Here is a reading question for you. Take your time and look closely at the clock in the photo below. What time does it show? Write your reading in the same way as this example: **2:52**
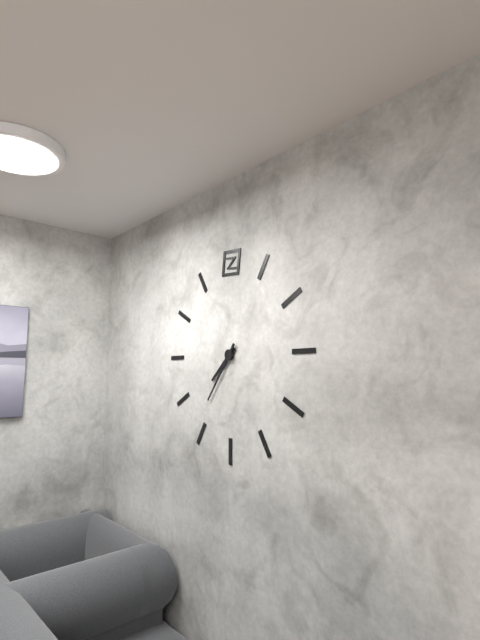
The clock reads **7:36**
